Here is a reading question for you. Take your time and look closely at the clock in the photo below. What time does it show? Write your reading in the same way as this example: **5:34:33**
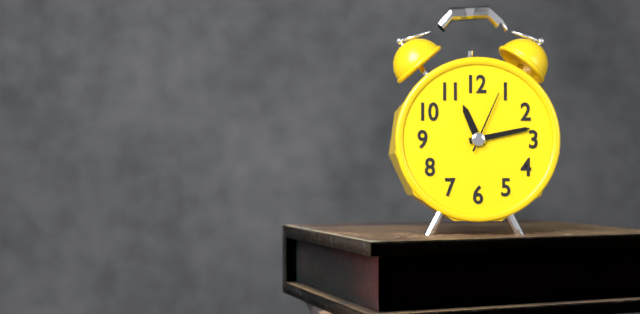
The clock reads **11:13:04**
